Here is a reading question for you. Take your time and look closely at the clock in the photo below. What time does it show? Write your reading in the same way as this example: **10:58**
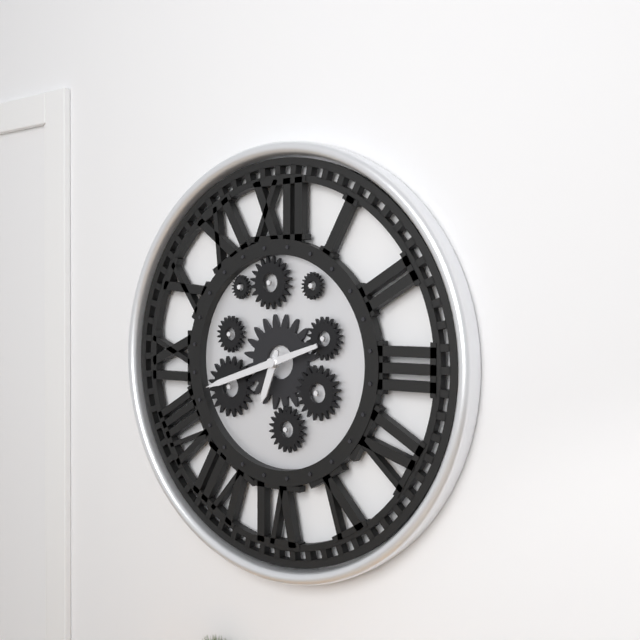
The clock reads **6:42**
